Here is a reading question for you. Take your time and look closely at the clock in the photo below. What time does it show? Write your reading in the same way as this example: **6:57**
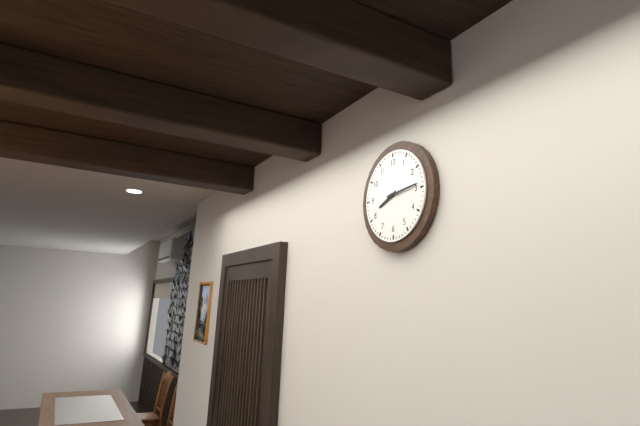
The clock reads **8:14**
